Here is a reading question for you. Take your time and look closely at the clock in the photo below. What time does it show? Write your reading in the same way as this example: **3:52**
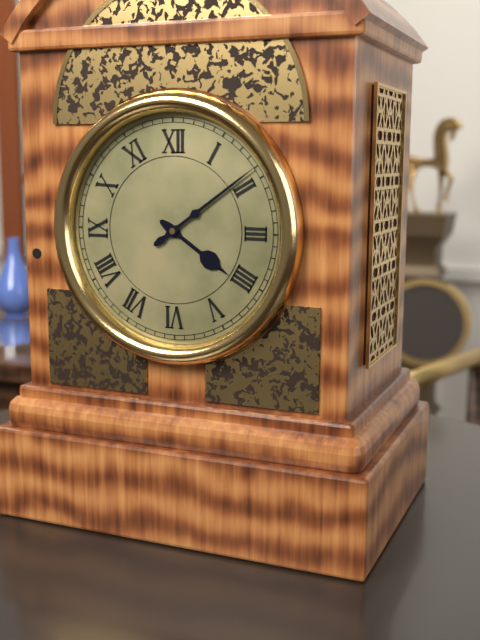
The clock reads **4:09**
